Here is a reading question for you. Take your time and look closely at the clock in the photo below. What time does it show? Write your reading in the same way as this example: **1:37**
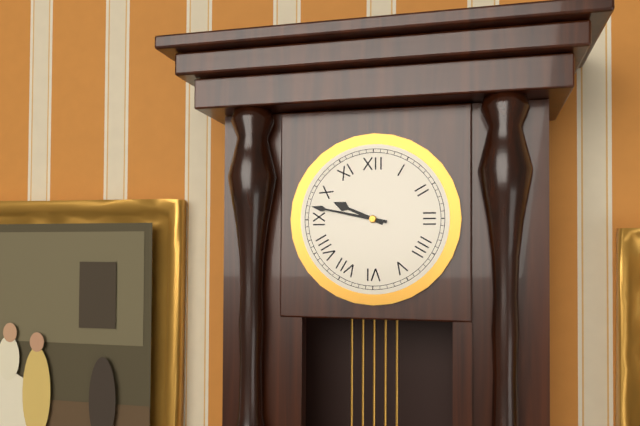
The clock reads **9:47**
